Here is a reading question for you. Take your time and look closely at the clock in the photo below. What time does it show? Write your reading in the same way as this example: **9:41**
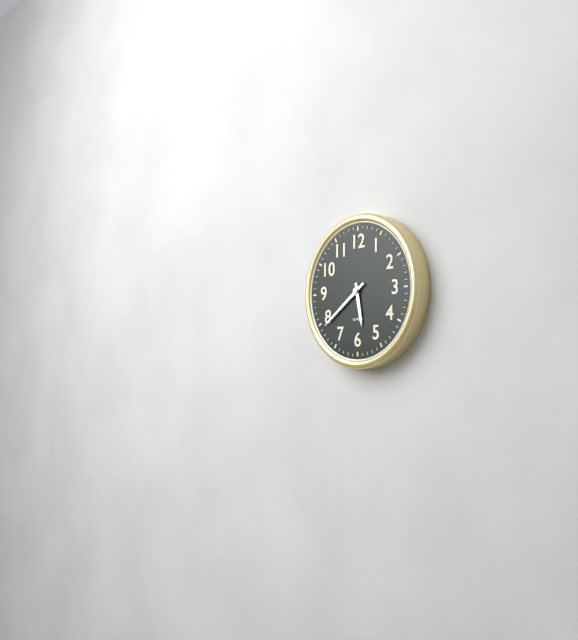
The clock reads **5:39**
